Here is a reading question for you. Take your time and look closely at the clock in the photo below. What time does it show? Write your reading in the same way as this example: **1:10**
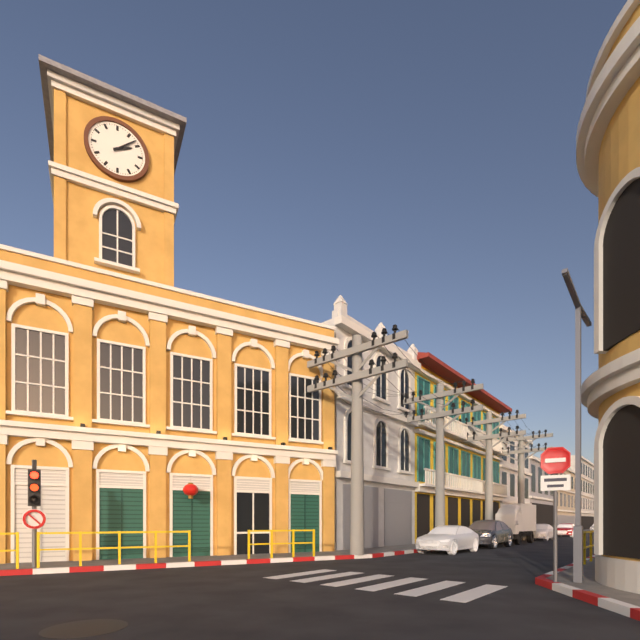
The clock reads **2:08**
